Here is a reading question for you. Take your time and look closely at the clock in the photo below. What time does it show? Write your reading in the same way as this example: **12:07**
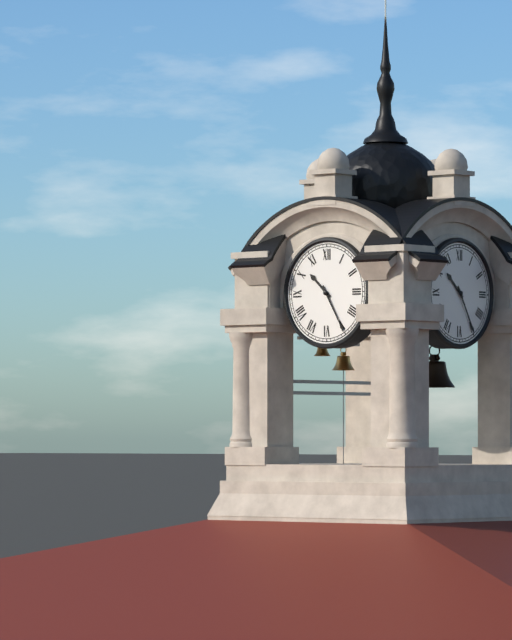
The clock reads **10:25**
